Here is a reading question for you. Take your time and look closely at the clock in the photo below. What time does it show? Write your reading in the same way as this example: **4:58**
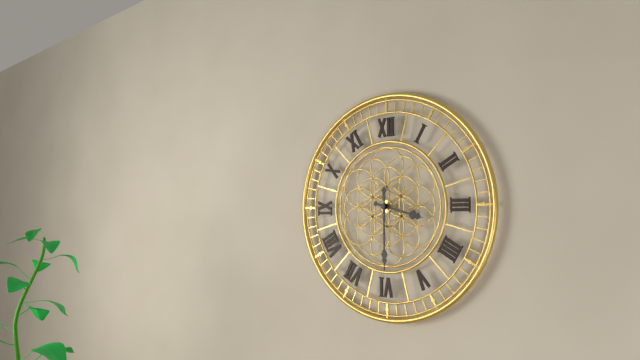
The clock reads **3:30**
